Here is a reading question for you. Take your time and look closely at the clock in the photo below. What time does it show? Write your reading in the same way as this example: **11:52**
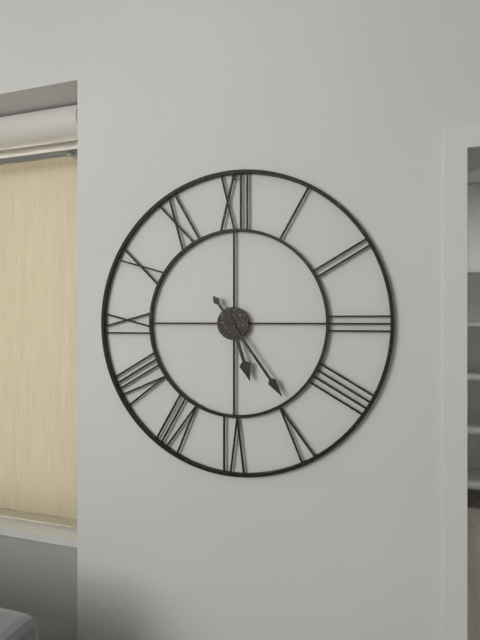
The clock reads **5:24**
